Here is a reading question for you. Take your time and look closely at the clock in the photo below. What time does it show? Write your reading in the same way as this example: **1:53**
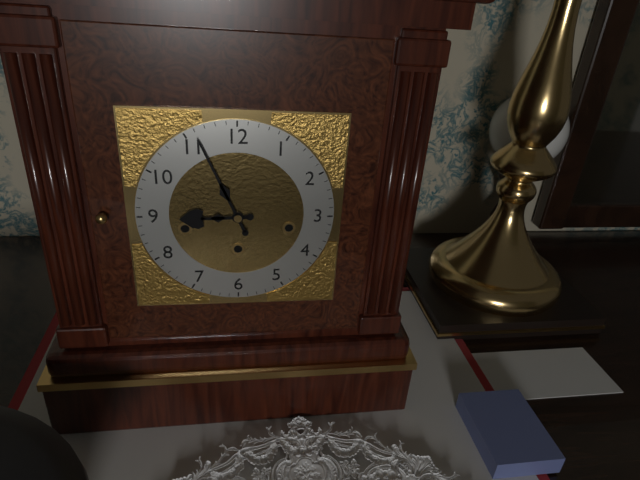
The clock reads **8:56**
